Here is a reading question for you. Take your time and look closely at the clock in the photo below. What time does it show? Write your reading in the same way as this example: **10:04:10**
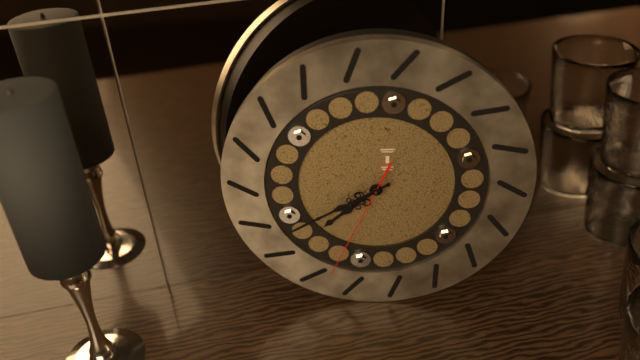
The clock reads **7:40:34**
